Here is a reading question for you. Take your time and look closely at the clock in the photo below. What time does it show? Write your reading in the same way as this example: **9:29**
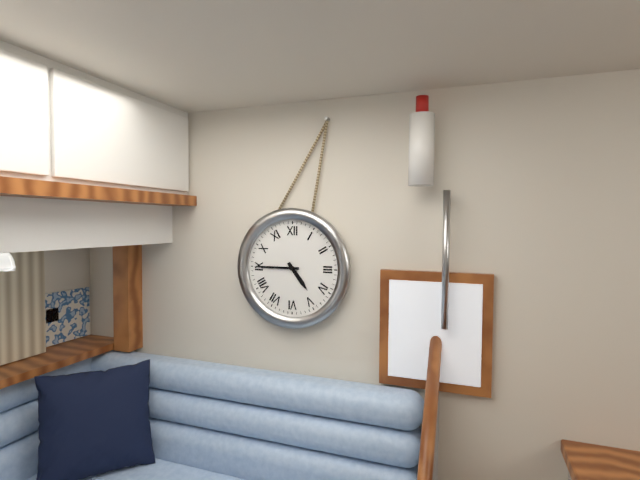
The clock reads **4:45**
